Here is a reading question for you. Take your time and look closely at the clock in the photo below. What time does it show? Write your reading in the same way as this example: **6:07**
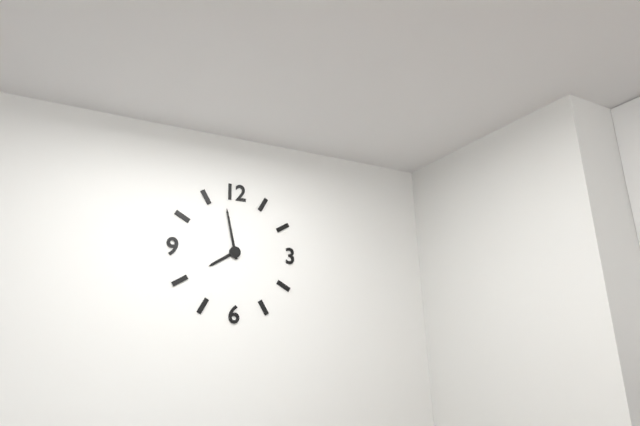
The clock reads **7:58**
